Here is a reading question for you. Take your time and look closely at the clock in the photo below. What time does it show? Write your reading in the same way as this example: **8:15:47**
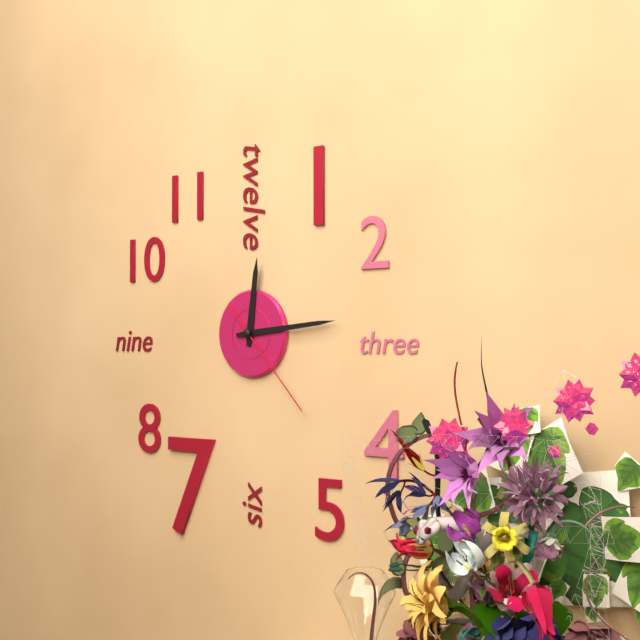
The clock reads **12:14:23**
